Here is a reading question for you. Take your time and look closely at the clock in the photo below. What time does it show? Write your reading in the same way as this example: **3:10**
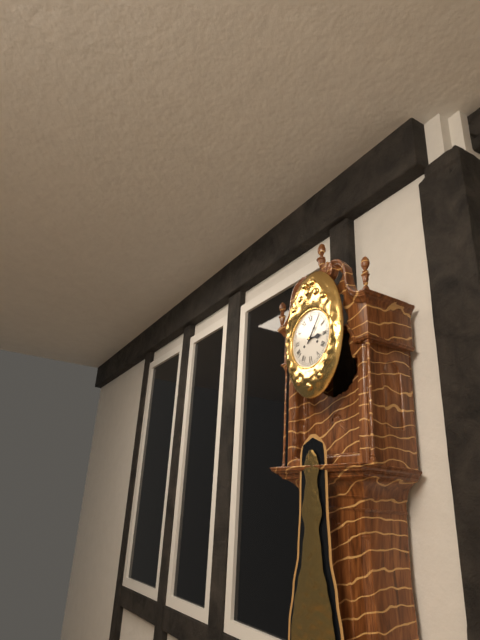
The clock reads **3:06**
